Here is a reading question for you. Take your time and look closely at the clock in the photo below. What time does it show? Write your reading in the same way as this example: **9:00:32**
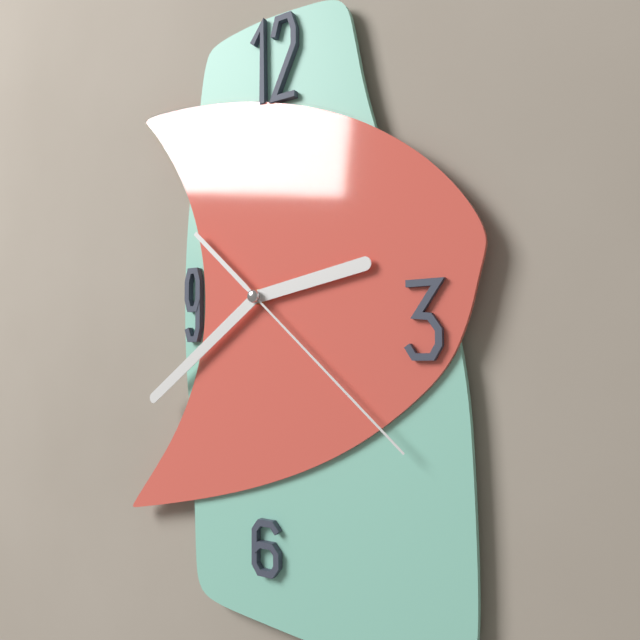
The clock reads **2:39:22**
